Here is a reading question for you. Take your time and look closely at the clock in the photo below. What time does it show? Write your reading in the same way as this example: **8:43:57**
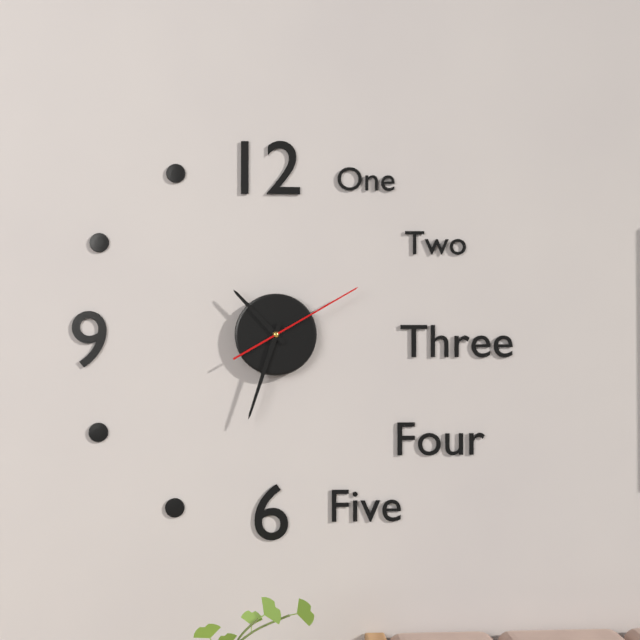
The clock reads **10:33:10**
